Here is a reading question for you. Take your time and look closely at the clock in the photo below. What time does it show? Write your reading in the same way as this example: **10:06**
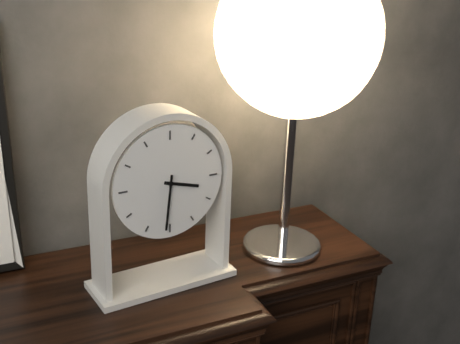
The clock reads **3:31**
